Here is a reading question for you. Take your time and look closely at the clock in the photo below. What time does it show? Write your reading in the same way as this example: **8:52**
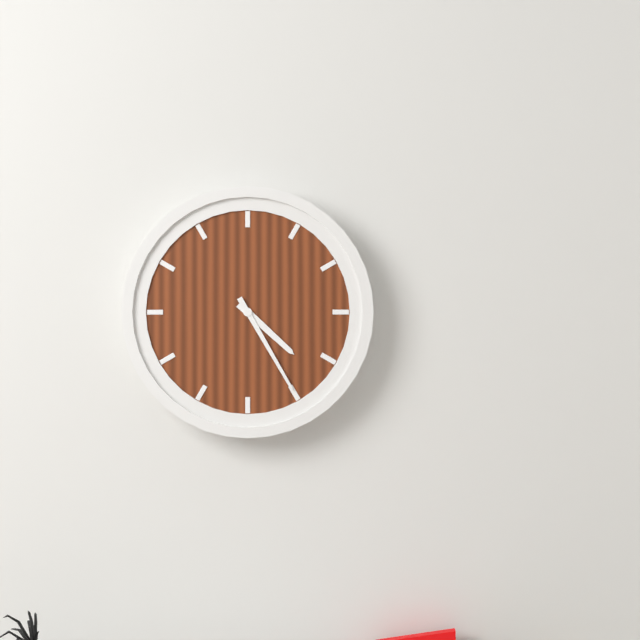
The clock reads **4:25**
